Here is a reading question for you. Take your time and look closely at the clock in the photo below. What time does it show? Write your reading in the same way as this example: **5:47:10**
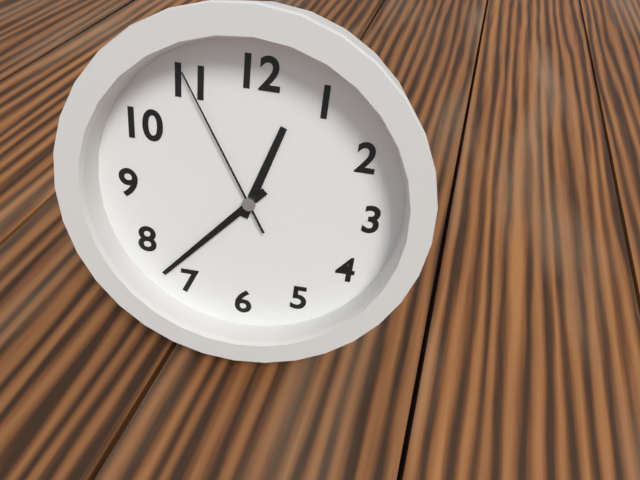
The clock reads **12:37:55**
